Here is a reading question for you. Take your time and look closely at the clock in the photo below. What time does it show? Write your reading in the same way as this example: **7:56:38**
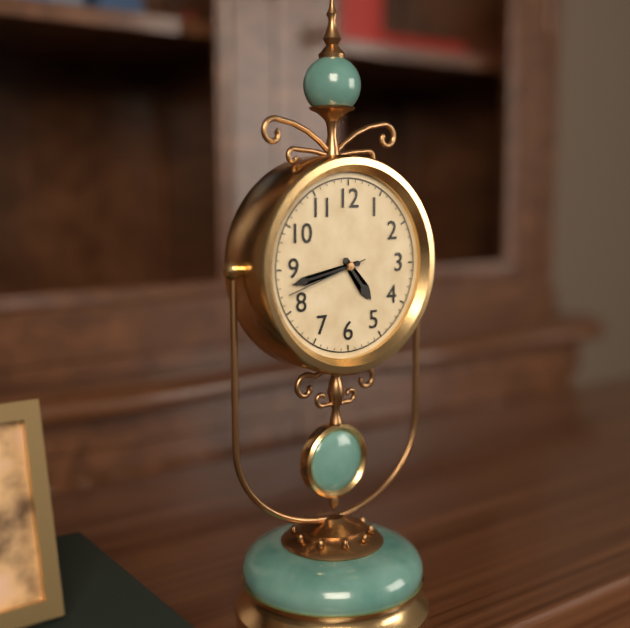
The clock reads **4:43:42**
